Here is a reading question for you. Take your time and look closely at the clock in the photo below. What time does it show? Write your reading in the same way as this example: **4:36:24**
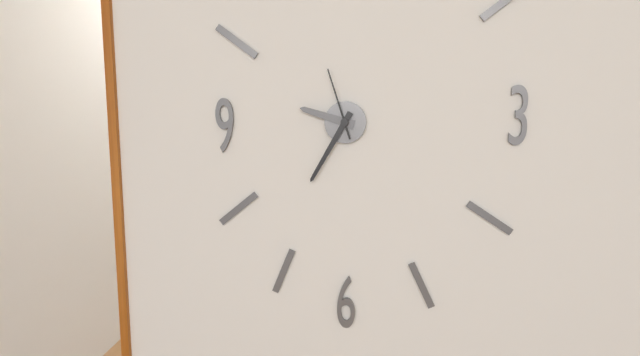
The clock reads **9:35:57**
